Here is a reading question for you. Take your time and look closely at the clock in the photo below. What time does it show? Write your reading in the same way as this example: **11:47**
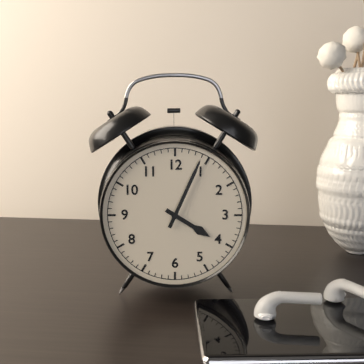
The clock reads **4:04**
